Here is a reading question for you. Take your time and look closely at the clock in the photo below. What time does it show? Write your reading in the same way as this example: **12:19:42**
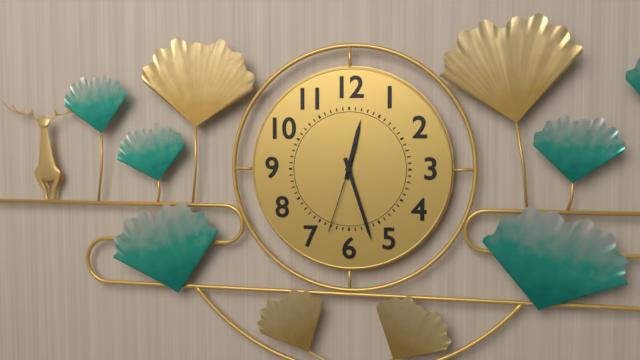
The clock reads **12:27:33**
